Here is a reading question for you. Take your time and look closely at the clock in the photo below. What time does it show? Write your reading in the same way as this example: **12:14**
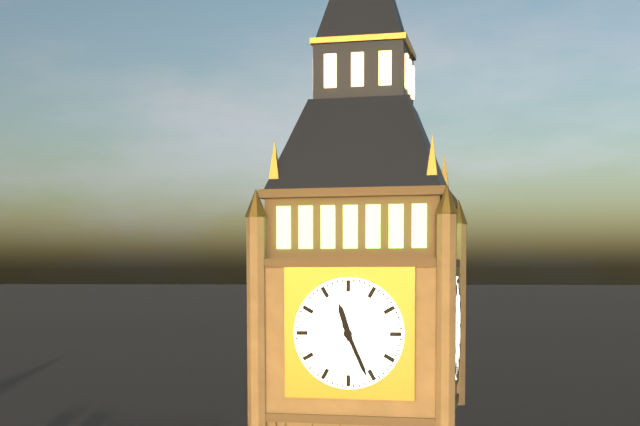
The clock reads **11:26**
